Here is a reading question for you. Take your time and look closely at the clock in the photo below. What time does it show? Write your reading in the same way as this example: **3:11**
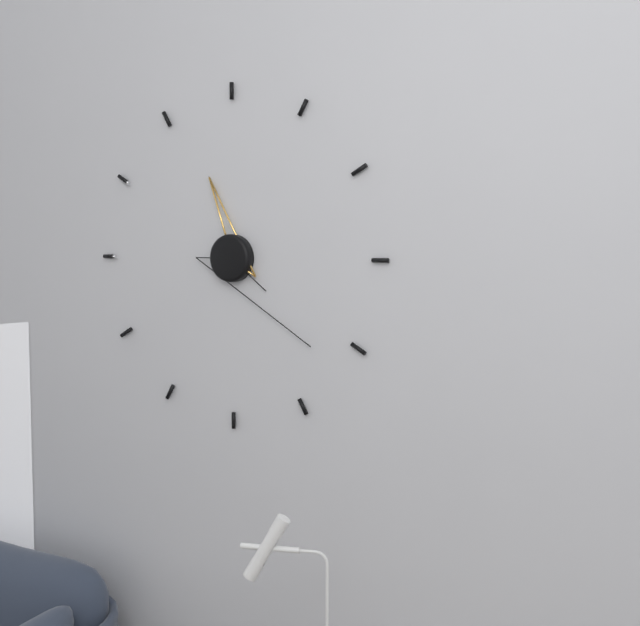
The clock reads **11:22**
